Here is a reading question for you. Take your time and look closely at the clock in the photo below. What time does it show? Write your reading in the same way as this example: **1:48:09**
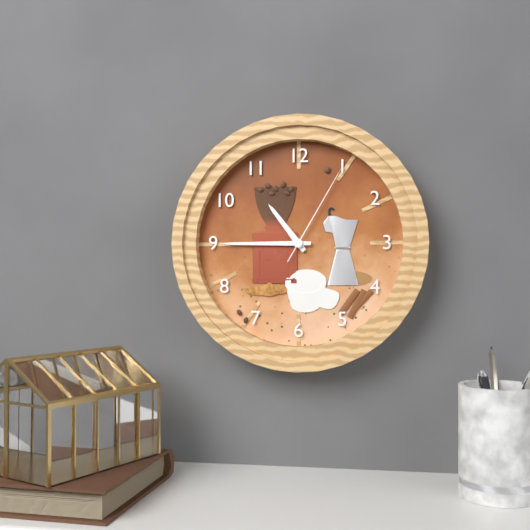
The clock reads **10:45:05**
